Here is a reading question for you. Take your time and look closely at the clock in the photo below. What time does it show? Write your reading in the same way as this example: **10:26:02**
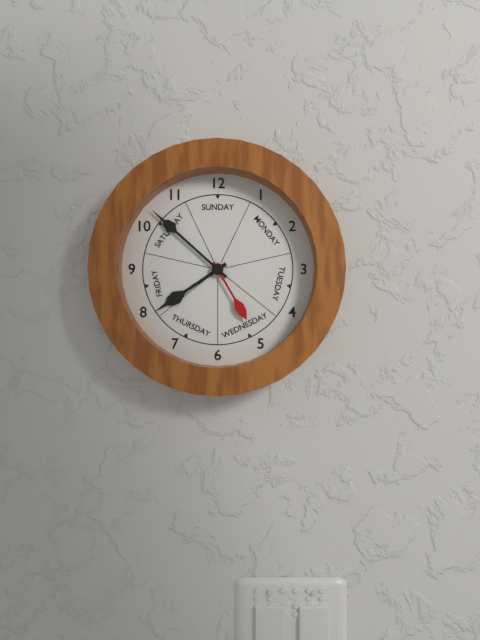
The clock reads **7:52:25**
